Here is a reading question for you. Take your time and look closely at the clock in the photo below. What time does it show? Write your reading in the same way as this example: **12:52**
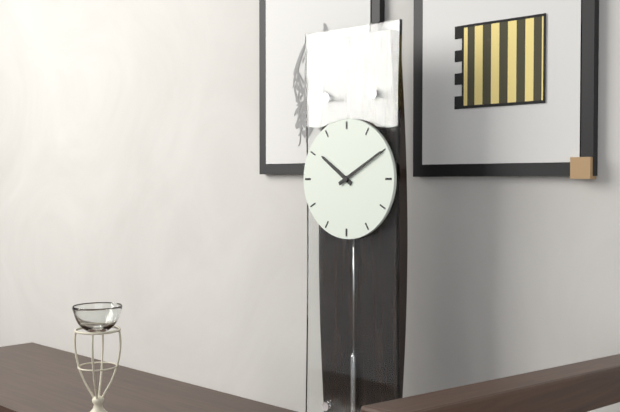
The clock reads **10:10**
